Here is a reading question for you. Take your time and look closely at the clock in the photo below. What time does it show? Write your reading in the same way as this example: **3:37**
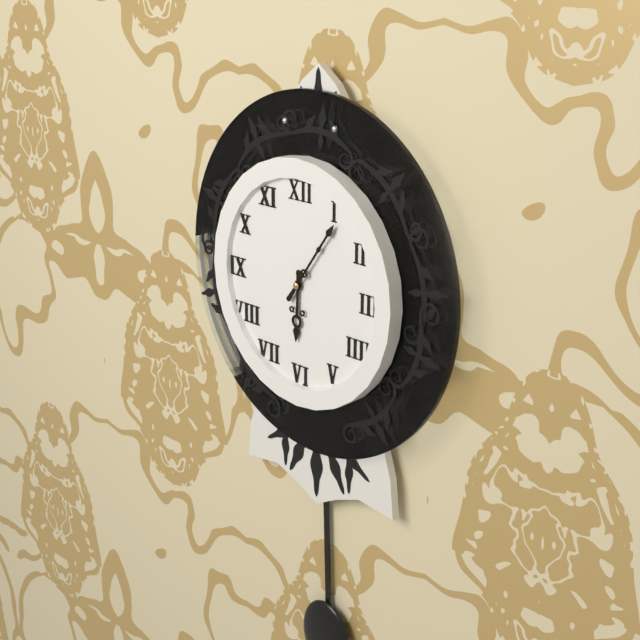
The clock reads **6:06**
